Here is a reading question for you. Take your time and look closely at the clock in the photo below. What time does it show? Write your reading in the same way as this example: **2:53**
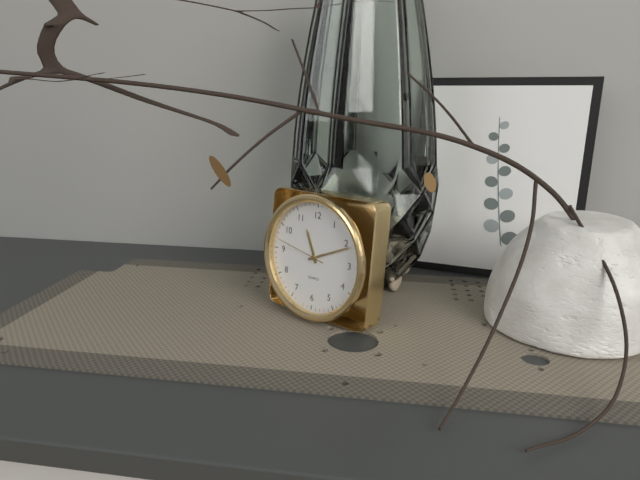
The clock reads **11:11**
